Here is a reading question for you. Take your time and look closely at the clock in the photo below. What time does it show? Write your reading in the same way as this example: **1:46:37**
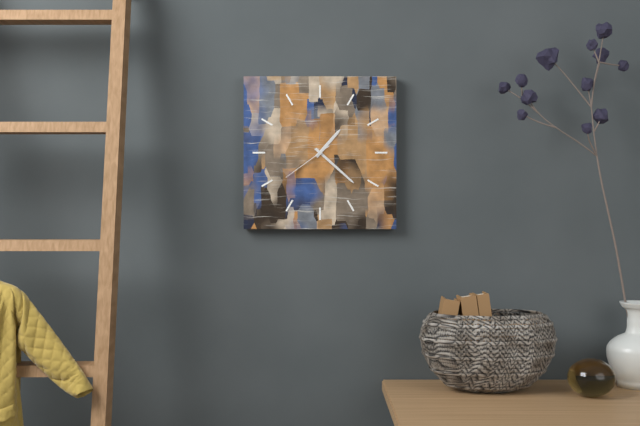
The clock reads **1:22:39**
